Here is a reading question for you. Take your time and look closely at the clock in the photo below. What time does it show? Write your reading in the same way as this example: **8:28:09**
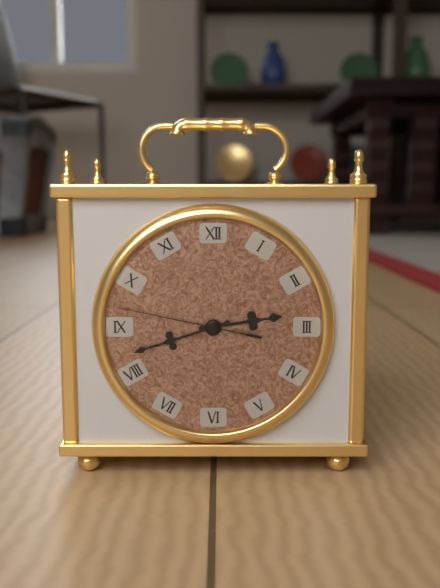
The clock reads **2:42:47**
